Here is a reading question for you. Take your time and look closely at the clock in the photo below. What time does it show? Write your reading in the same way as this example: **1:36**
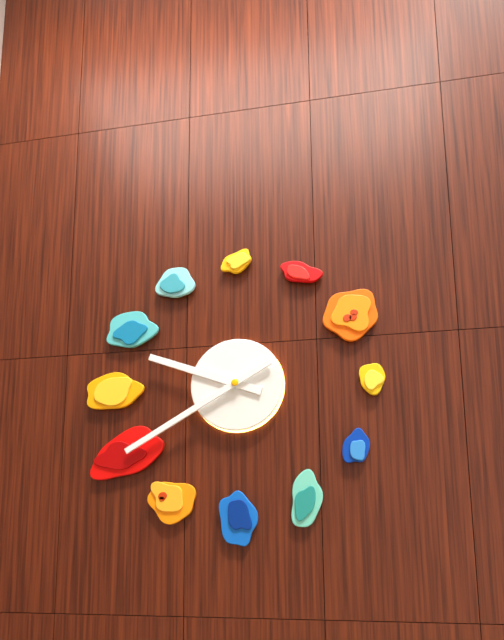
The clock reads **9:40**
